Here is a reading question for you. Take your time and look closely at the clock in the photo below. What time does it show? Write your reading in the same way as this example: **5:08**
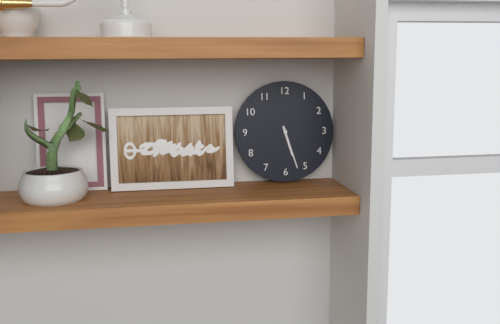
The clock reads **5:27**
